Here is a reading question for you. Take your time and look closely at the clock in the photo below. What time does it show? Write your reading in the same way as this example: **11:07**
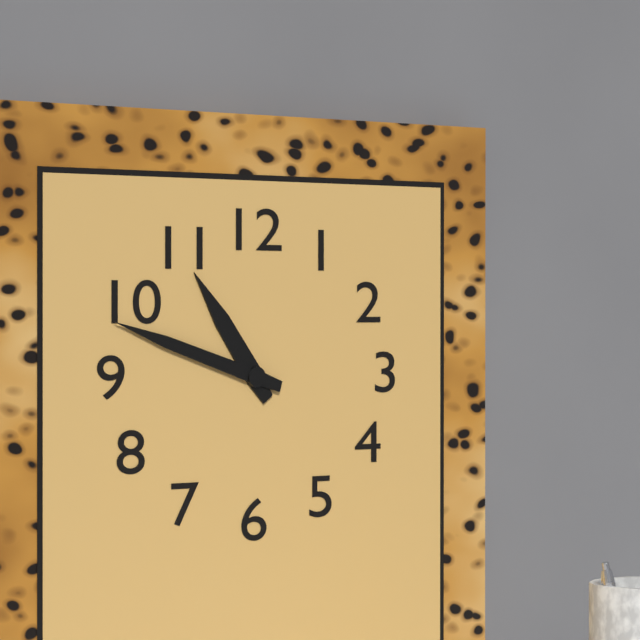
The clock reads **10:48**
